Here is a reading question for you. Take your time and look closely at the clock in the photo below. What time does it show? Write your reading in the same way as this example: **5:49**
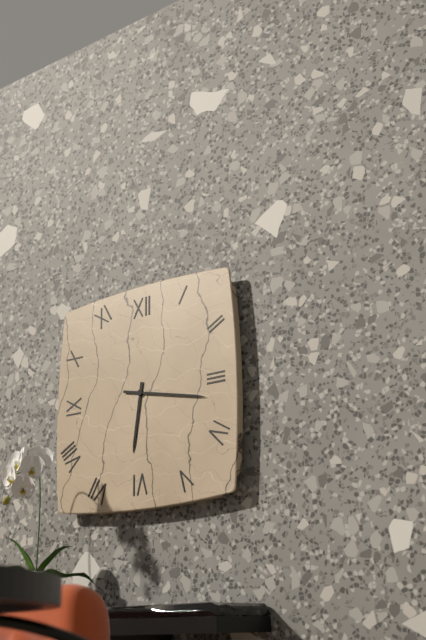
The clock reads **6:17**
